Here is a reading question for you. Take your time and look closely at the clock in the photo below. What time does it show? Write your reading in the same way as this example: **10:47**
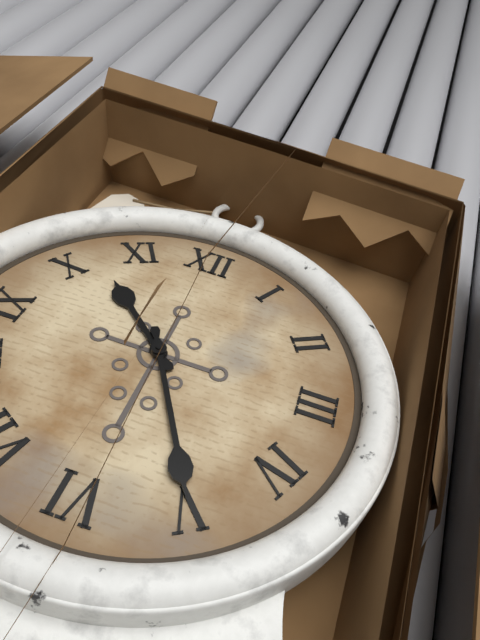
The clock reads **10:25**
